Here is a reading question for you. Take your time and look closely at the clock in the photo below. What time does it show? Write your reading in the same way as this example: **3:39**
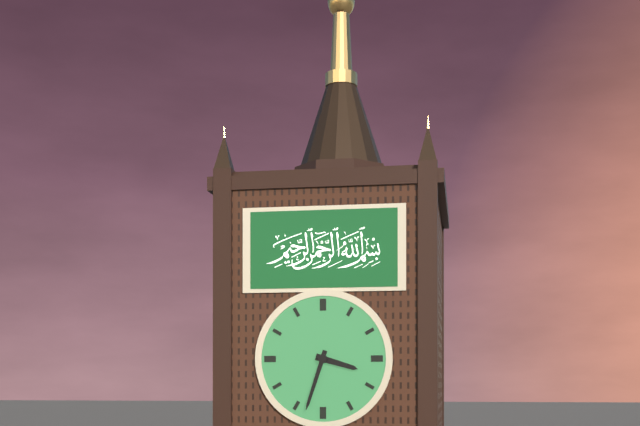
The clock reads **3:33**
